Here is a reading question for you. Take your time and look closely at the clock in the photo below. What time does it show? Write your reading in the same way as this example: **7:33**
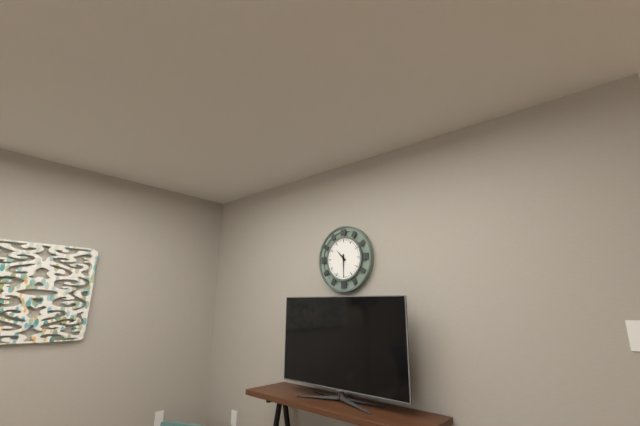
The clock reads **10:30**
